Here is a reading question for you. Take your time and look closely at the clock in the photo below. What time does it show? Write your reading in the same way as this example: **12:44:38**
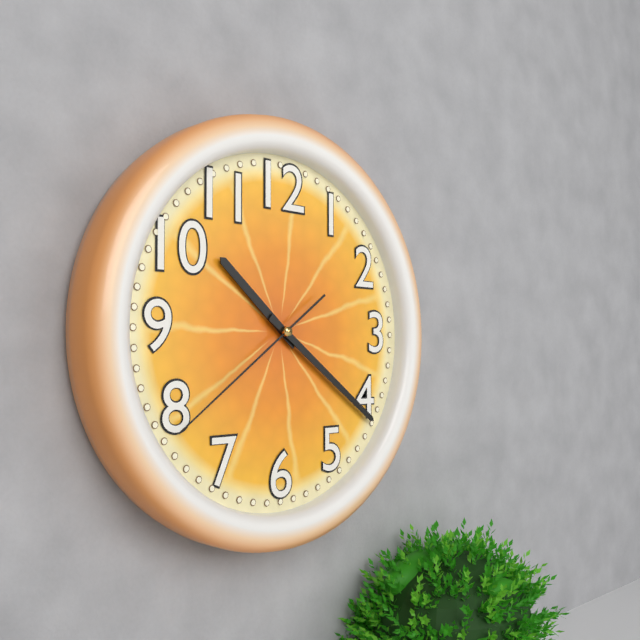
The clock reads **10:21:39**
